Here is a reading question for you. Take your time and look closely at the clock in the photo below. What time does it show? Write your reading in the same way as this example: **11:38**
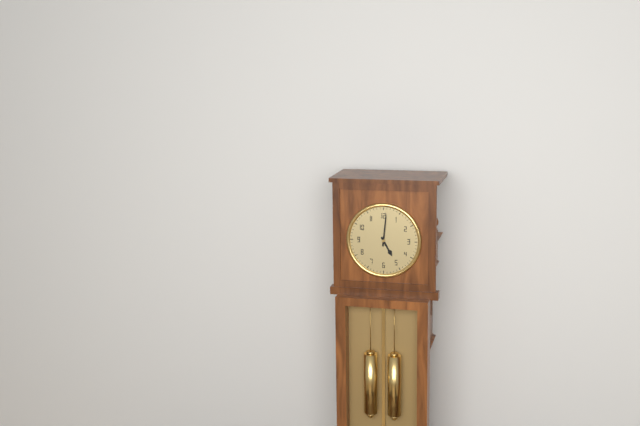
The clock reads **5:01**
